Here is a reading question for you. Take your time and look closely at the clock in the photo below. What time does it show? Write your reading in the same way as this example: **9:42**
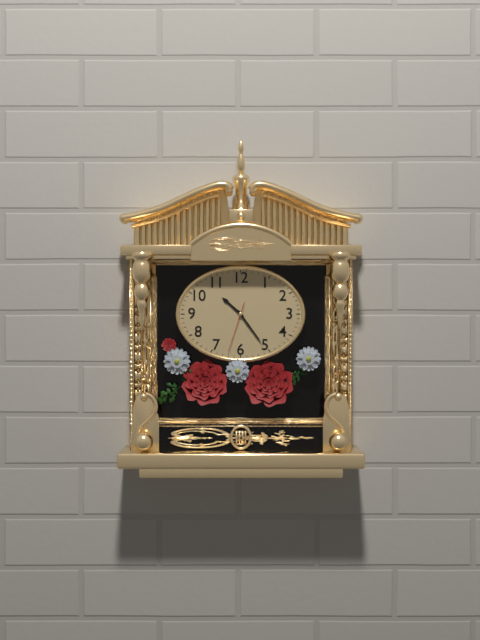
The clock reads **10:24**
